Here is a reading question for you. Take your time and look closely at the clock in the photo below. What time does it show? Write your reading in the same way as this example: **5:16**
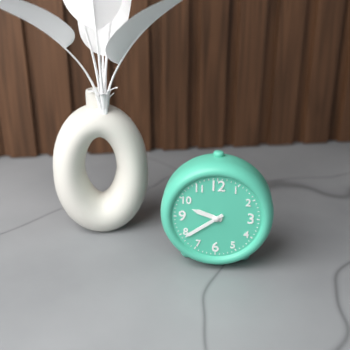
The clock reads **9:39**
